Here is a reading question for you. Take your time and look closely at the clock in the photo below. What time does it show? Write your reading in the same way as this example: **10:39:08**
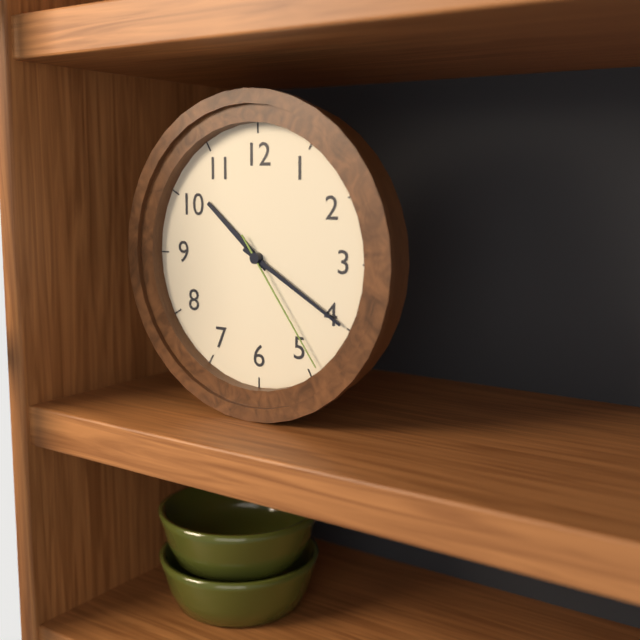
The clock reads **10:20:24**
